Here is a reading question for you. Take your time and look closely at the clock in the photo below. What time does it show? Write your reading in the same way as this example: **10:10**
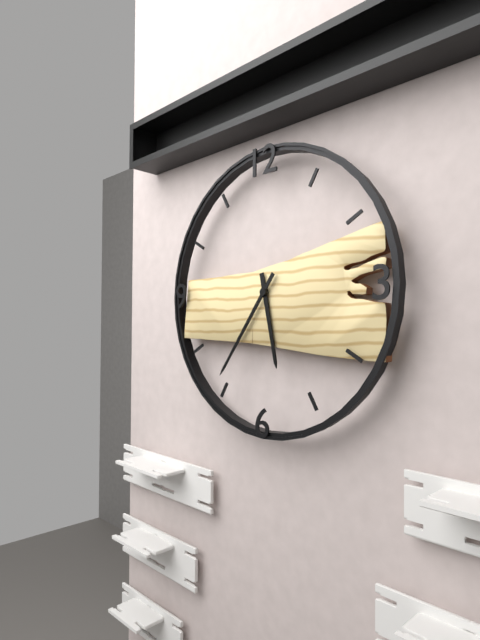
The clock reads **5:36**
